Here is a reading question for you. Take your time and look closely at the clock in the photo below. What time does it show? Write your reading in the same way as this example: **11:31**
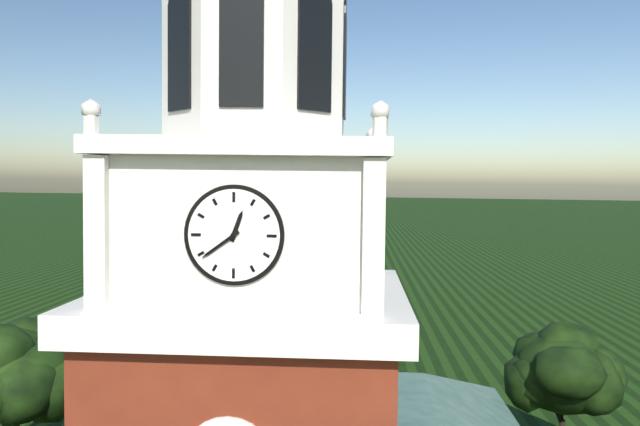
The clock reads **12:39**
